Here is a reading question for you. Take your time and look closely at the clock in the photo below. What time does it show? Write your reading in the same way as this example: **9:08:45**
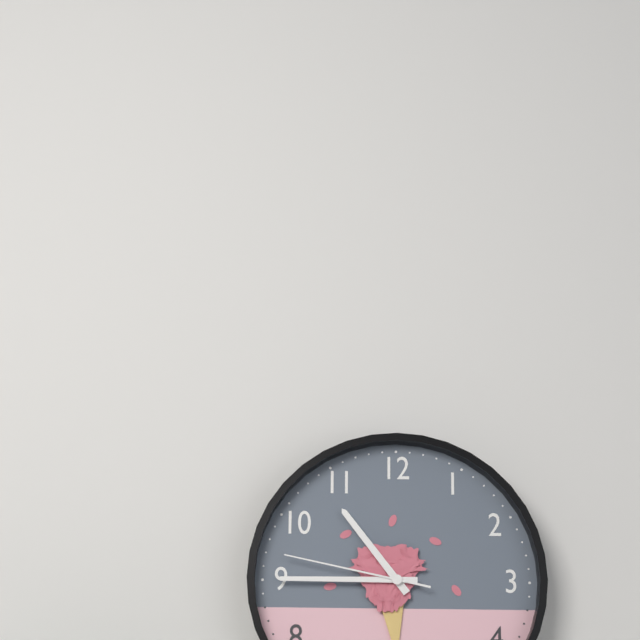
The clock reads **10:45:47**
